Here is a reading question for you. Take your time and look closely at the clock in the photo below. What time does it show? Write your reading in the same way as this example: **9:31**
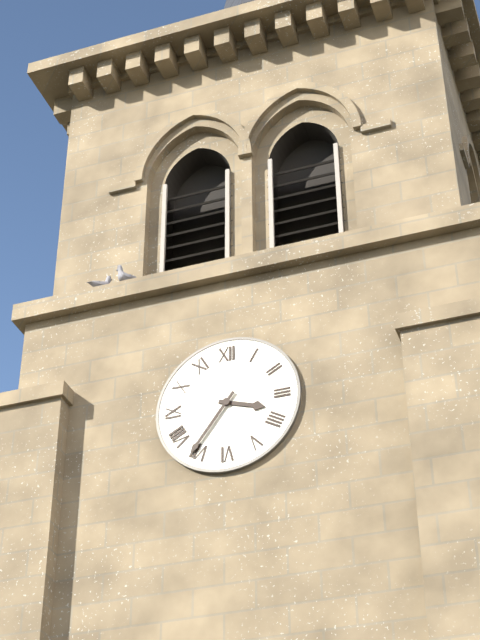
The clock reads **3:36**
